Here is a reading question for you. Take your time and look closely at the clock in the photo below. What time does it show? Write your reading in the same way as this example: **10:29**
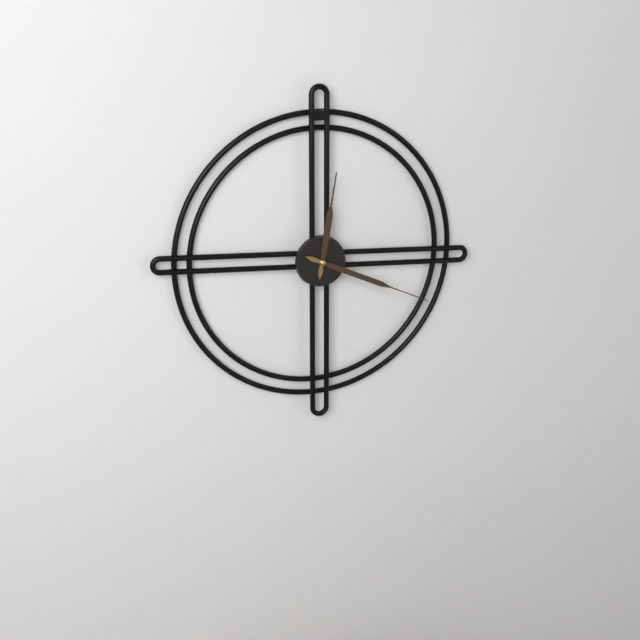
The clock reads **12:19**
